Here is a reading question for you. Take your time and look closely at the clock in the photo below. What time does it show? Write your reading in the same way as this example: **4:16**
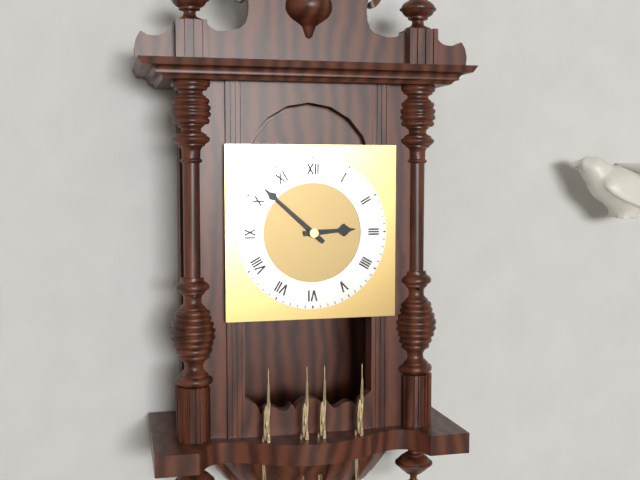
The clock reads **2:52**
